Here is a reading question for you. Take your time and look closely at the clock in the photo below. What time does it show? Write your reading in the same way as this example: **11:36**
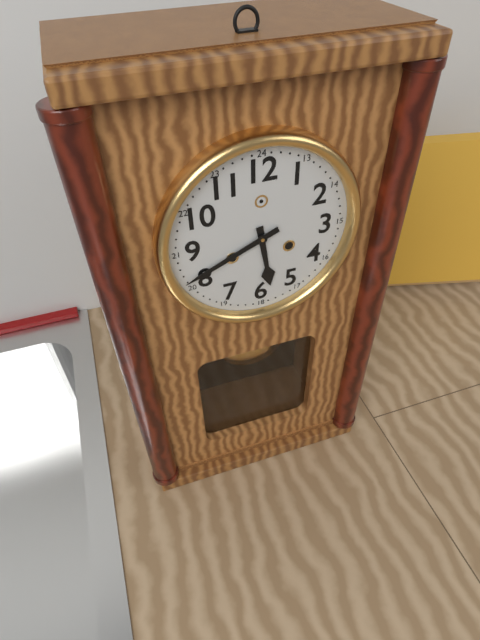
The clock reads **5:41**
